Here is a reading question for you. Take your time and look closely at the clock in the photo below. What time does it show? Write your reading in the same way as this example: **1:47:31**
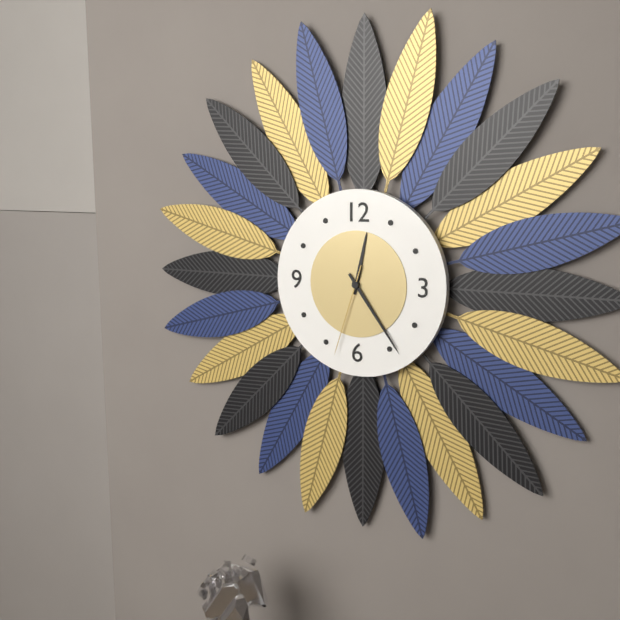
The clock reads **12:24:33**
